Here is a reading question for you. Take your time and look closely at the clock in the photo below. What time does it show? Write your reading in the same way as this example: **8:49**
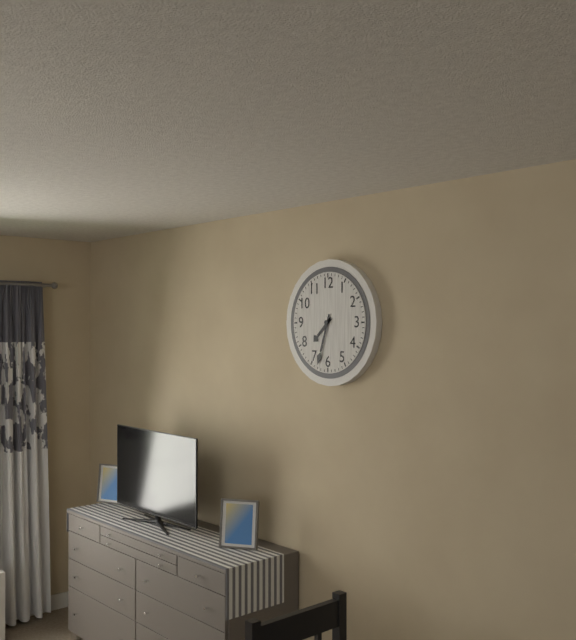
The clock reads **7:33**
